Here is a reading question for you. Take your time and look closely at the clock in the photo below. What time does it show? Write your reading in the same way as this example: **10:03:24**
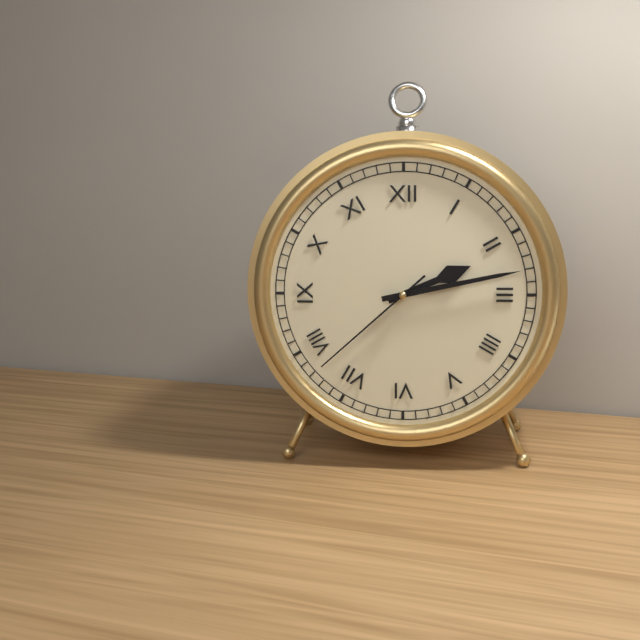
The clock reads **2:13:38**
